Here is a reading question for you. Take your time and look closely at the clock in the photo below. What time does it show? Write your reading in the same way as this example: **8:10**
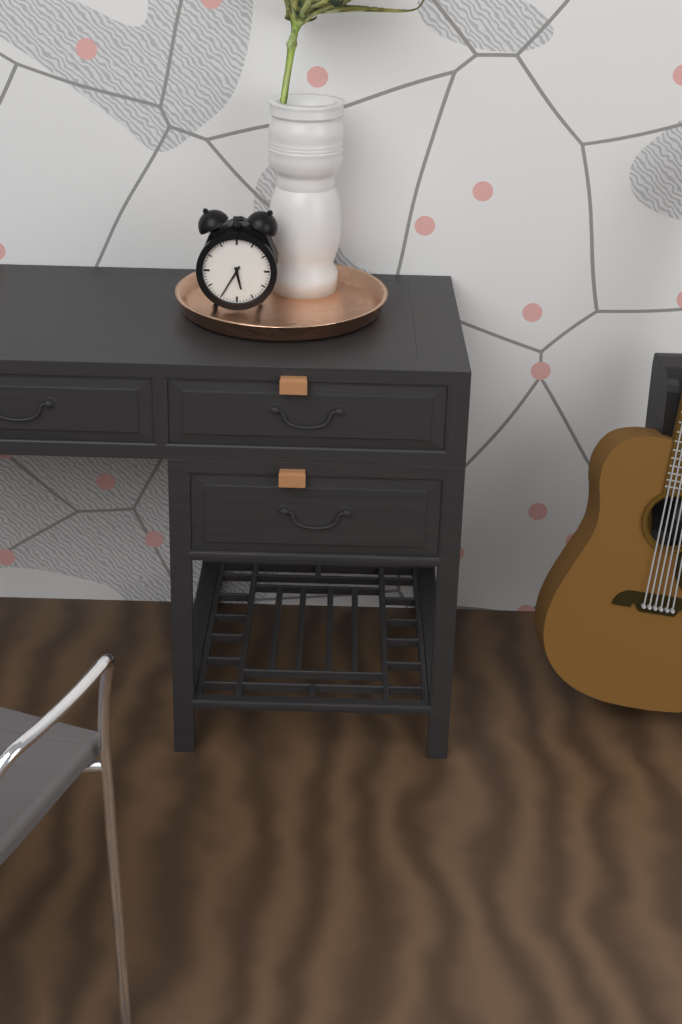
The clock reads **5:35**
